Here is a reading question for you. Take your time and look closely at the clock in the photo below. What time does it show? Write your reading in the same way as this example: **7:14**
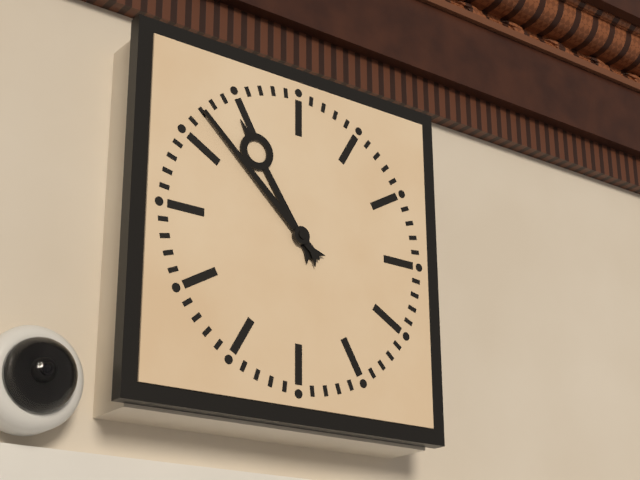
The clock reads **10:52**
